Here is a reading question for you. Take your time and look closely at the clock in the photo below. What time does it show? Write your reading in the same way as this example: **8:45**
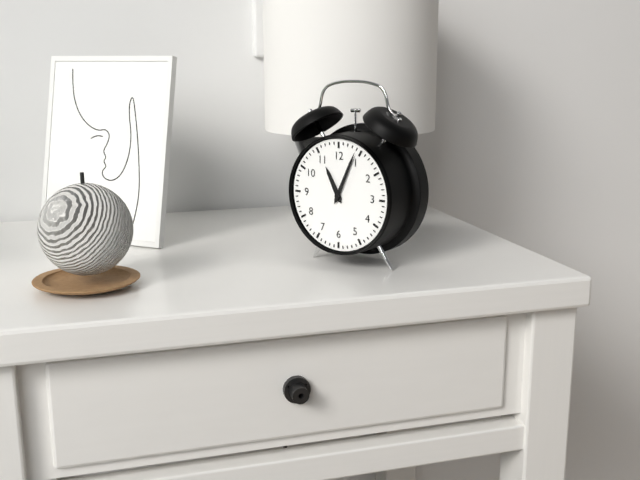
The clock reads **11:04**
